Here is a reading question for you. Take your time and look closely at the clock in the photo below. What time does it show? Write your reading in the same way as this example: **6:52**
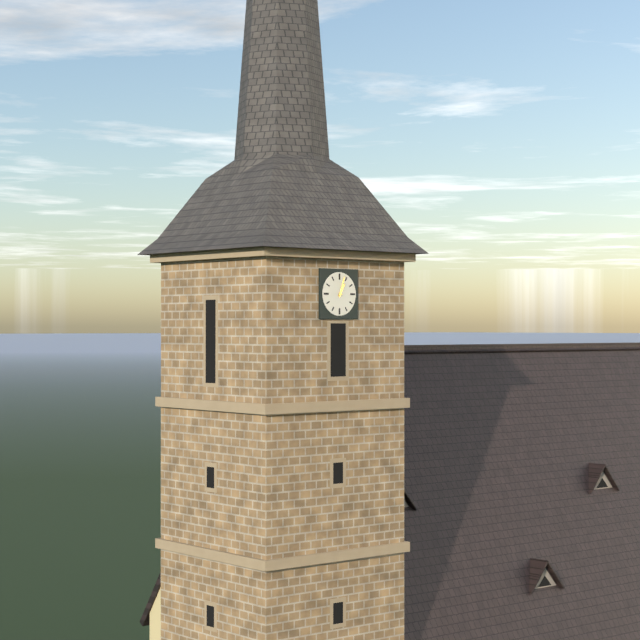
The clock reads **1:03**
